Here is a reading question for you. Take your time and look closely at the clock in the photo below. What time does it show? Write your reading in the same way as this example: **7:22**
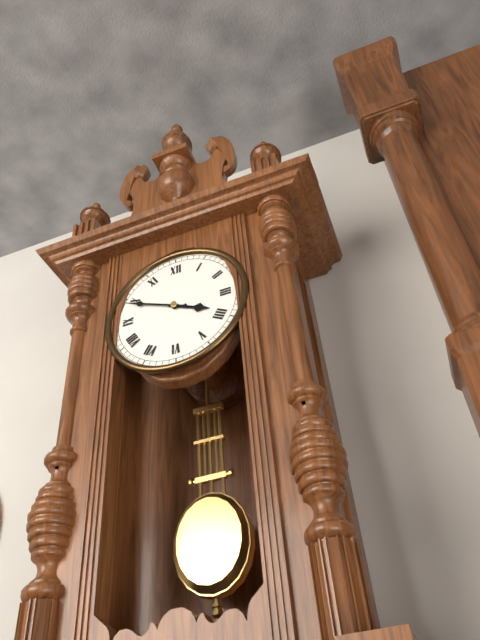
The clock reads **3:49**
